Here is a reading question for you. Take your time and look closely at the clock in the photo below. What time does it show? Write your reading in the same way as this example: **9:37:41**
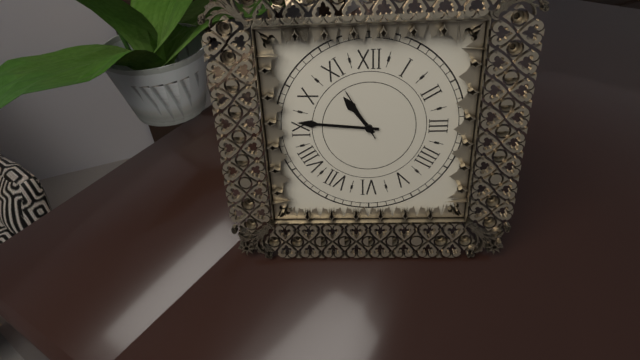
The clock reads **10:46:55**
